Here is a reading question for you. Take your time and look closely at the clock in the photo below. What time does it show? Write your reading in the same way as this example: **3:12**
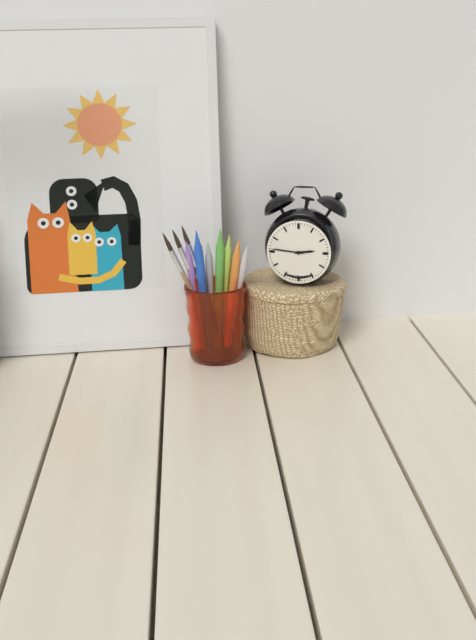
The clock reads **2:46**
